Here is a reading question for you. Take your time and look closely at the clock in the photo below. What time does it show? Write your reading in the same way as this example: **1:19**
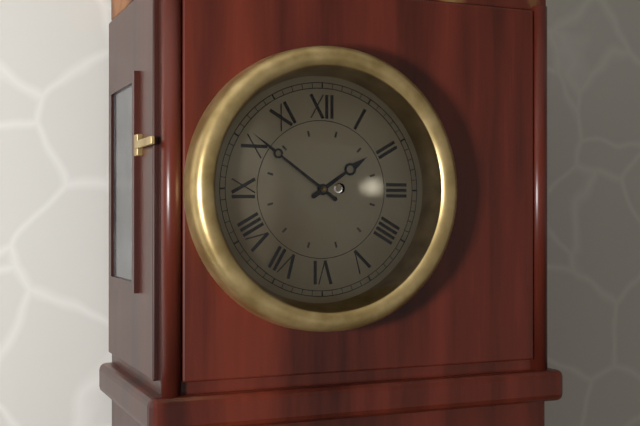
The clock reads **1:51**
